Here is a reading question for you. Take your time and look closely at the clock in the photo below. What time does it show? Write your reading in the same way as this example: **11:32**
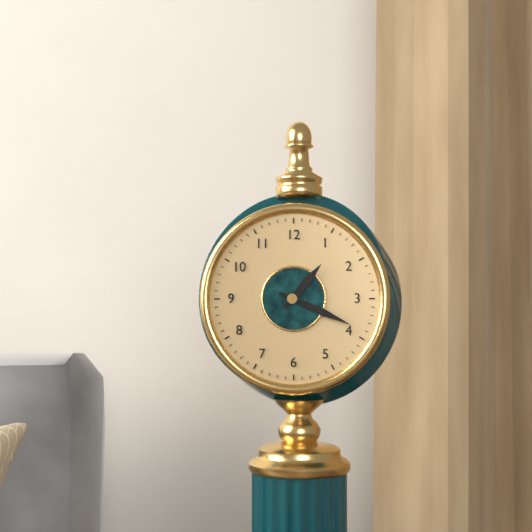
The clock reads **1:19**
